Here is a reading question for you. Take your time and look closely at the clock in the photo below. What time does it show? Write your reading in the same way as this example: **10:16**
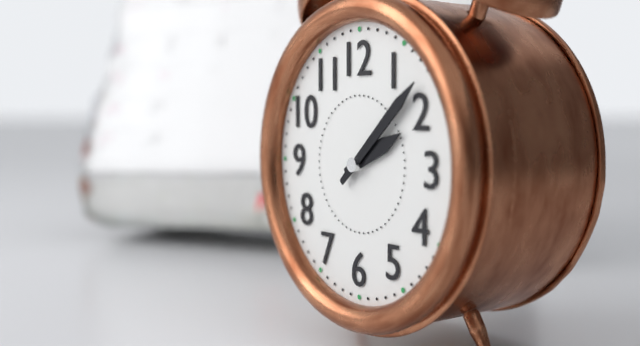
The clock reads **2:08**
